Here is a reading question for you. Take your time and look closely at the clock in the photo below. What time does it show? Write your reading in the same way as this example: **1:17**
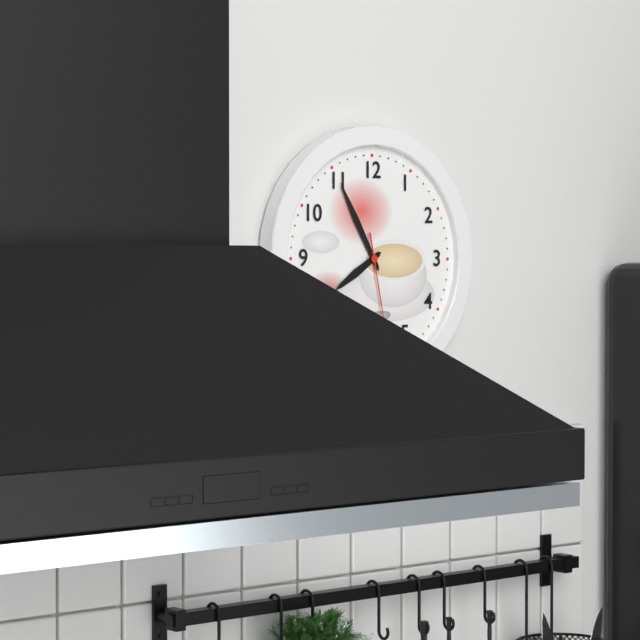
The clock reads **7:55**
